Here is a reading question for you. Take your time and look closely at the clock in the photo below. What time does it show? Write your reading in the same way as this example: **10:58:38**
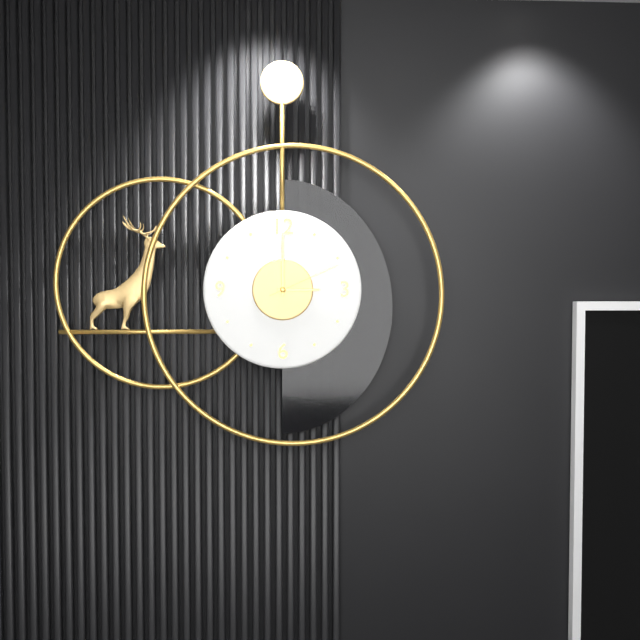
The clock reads **3:00:11**
